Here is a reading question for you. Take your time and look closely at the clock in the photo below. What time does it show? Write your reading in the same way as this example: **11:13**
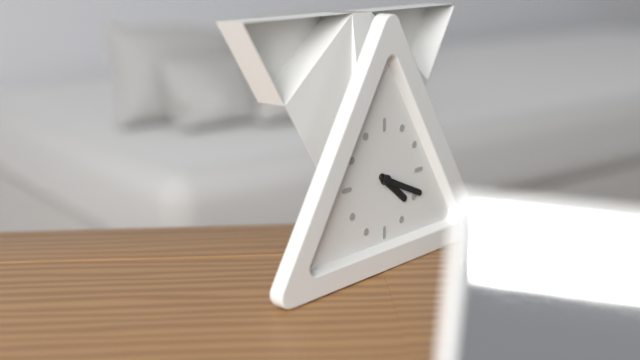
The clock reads **4:19**
